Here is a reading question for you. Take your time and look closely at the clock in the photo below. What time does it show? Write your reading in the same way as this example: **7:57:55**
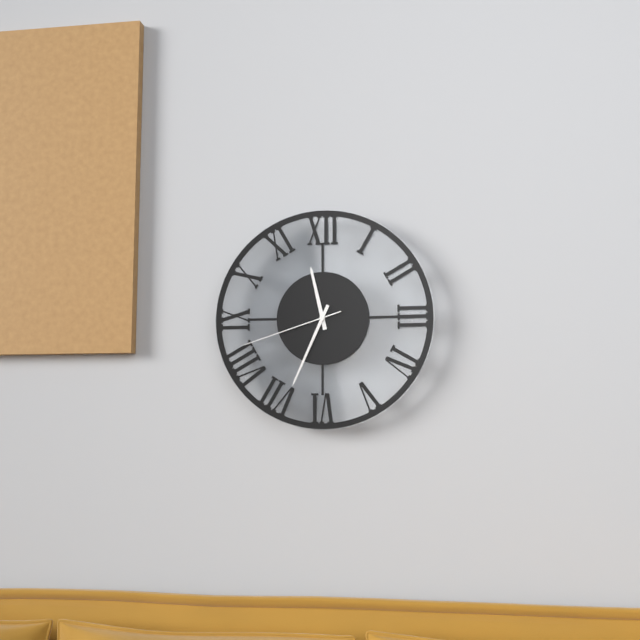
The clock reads **11:34:42**
